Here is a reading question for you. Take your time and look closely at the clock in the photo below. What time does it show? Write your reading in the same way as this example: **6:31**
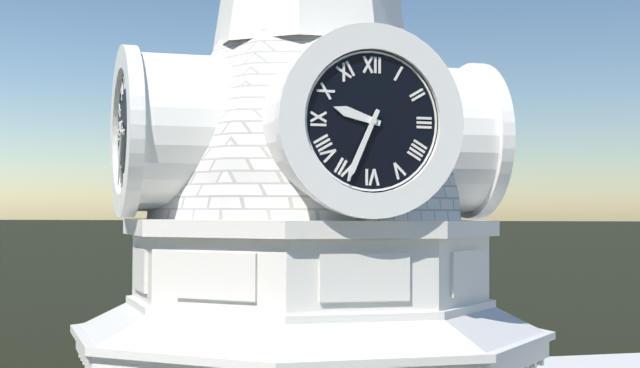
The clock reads **9:34**
